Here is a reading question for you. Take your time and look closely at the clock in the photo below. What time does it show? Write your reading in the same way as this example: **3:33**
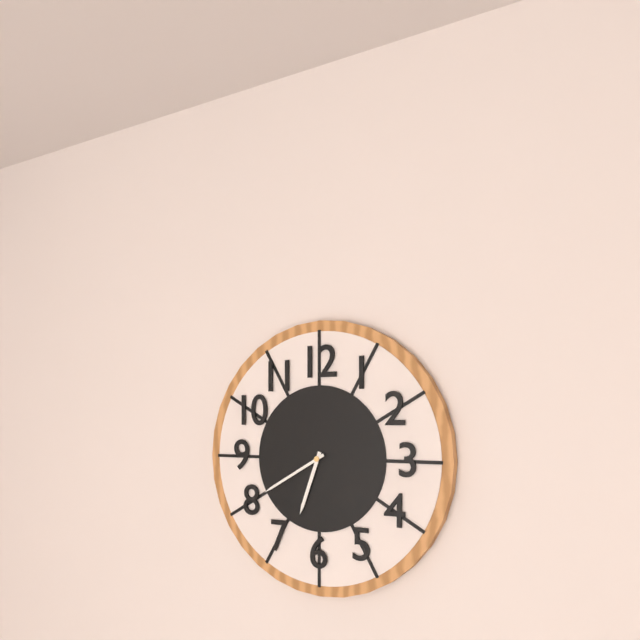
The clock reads **6:40**
